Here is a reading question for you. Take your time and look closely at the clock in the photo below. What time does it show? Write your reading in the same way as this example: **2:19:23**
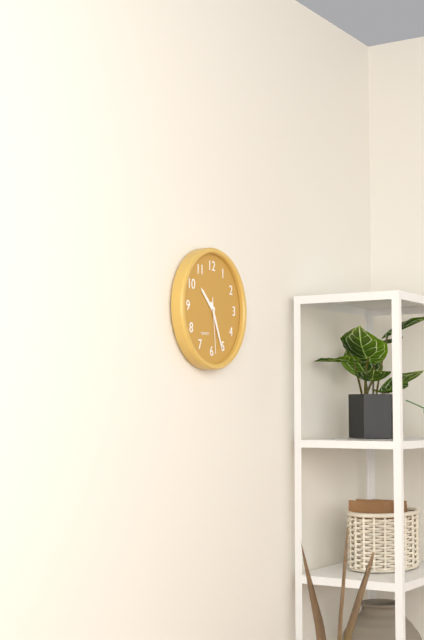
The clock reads **10:26:29**
